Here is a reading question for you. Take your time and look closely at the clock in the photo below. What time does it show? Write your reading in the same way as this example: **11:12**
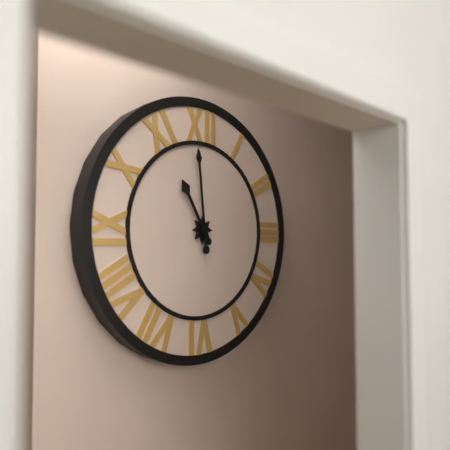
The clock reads **10:59**
